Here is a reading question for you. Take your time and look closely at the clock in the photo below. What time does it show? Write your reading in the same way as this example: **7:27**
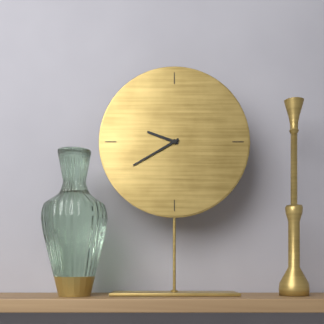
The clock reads **9:40**
